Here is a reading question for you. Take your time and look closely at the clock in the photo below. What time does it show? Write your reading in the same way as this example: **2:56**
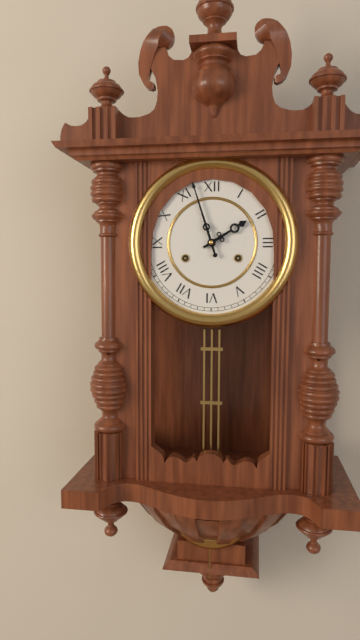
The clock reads **1:57**
